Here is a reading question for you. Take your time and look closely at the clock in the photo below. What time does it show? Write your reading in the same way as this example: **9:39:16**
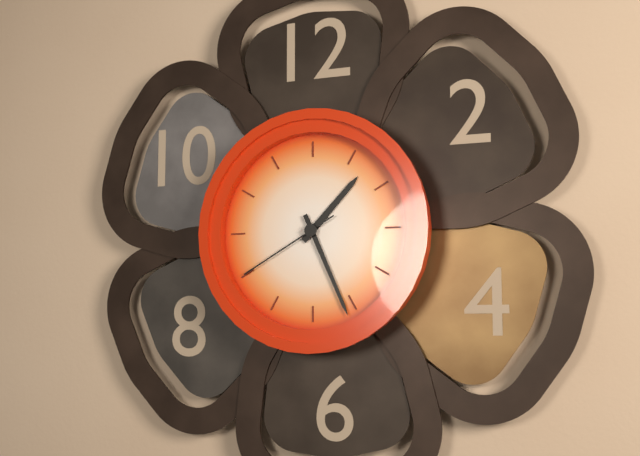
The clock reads **1:26:40**
